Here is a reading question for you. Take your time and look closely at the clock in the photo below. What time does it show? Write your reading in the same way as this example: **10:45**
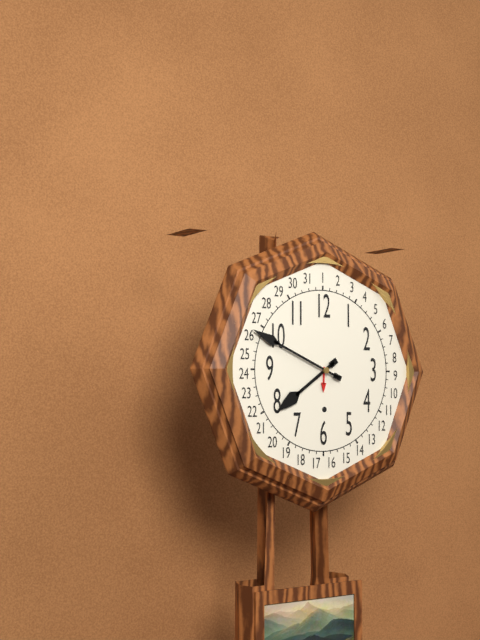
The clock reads **7:49**
